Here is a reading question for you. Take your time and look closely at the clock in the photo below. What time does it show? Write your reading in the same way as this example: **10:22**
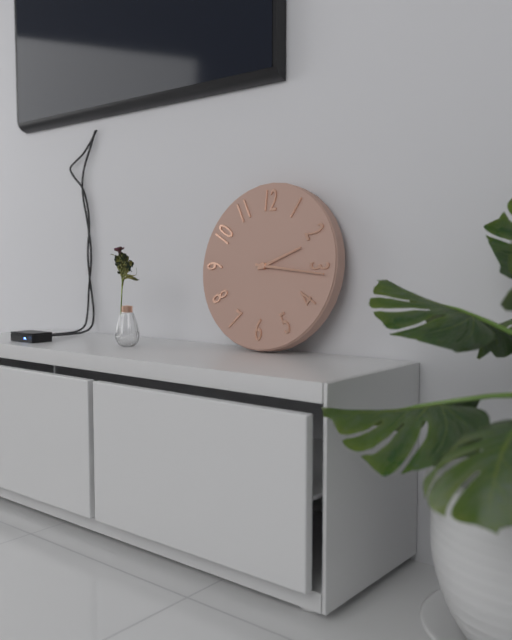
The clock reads **2:16**
